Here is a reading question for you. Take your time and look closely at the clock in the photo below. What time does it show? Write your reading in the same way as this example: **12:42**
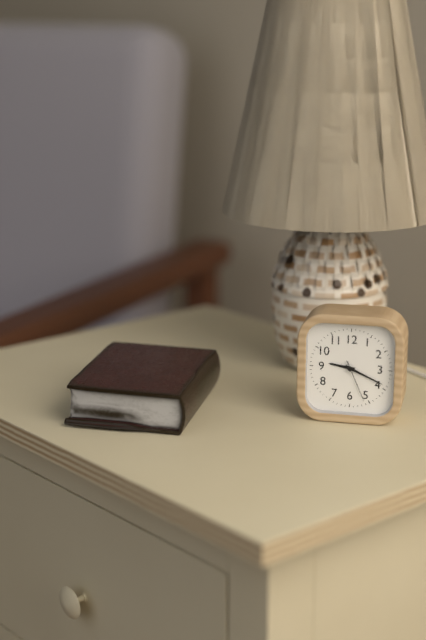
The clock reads **9:19**
